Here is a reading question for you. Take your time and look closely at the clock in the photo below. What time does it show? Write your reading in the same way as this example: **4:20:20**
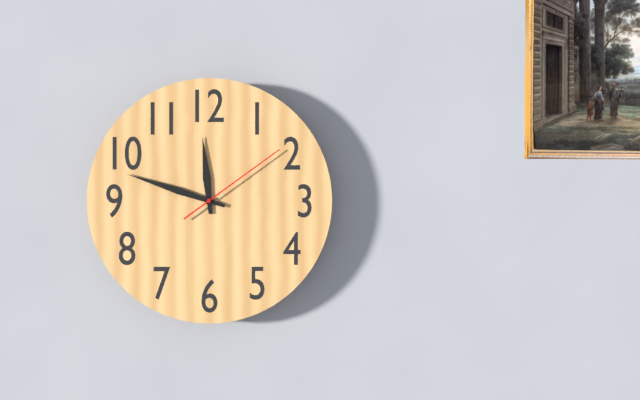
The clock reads **11:48:09**
